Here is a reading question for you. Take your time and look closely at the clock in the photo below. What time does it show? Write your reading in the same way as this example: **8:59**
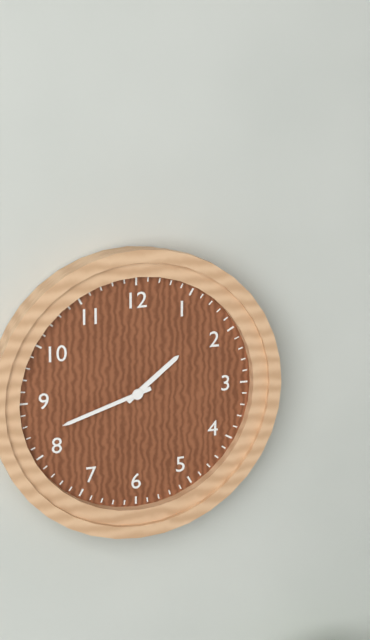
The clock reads **1:42**
